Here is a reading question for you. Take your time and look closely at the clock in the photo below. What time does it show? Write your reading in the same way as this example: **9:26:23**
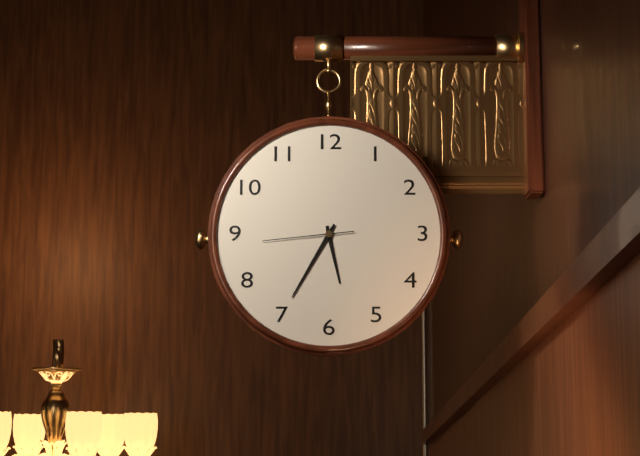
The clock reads **5:35:44**
